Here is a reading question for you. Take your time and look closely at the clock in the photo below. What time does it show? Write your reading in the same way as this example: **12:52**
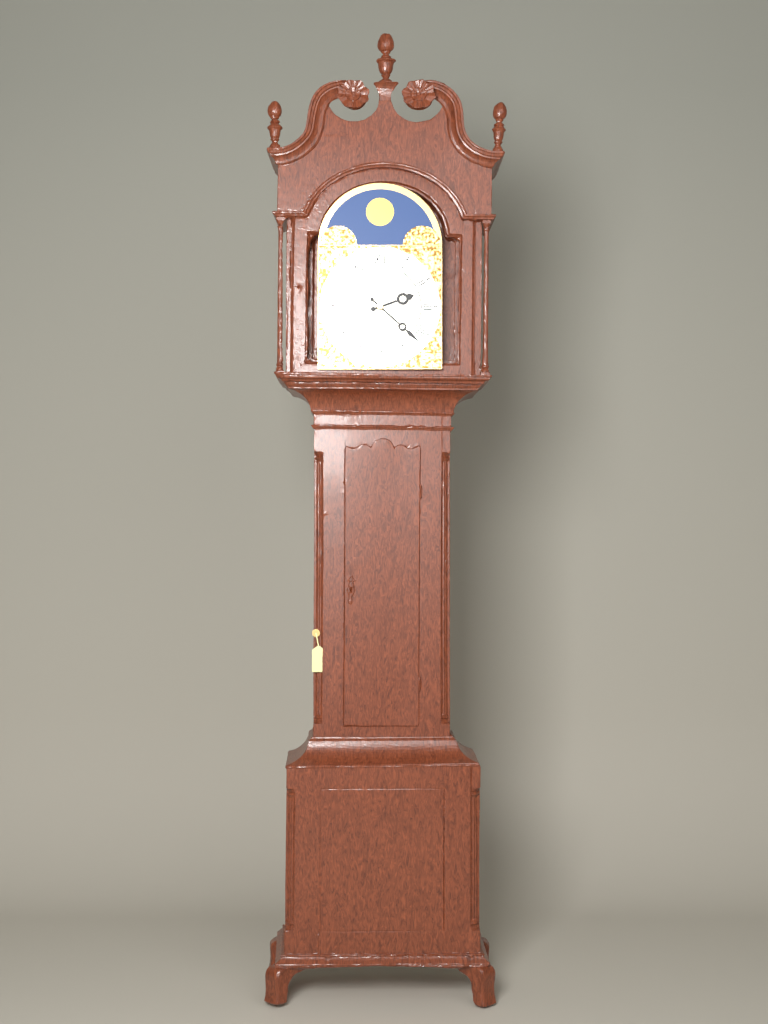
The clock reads **2:22**
